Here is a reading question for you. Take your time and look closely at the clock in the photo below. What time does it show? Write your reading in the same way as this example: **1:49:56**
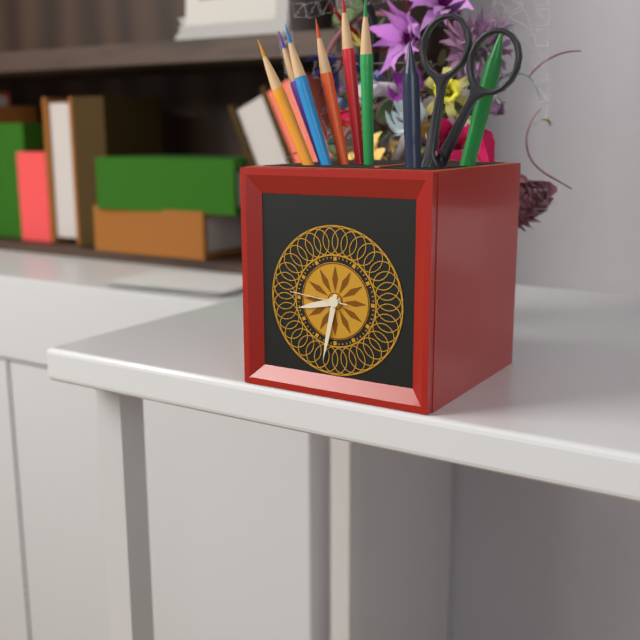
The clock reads **8:32:46**
